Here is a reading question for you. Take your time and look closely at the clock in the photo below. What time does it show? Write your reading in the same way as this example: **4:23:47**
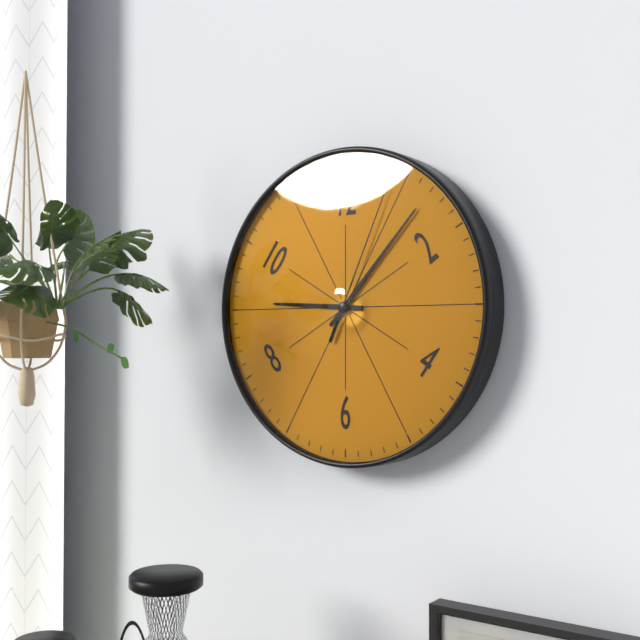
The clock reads **9:07:04**
